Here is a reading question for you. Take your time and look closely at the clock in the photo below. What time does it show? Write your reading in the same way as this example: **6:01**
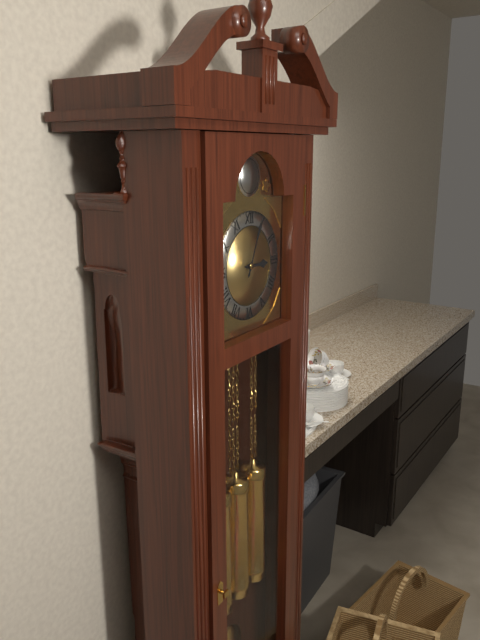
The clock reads **3:04**
